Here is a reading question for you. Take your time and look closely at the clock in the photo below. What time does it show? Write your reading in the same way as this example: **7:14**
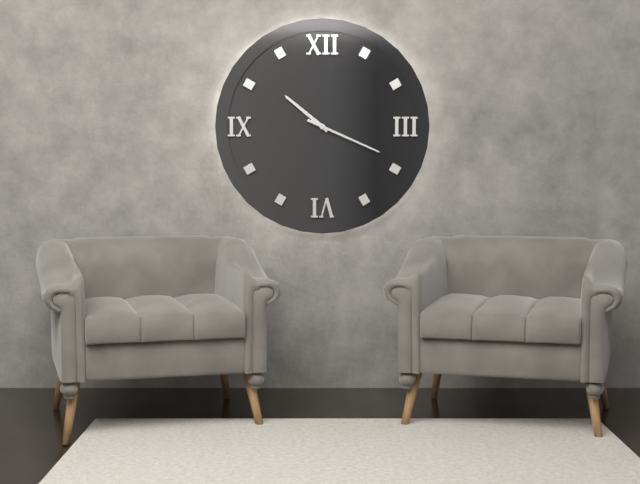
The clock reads **10:19**
